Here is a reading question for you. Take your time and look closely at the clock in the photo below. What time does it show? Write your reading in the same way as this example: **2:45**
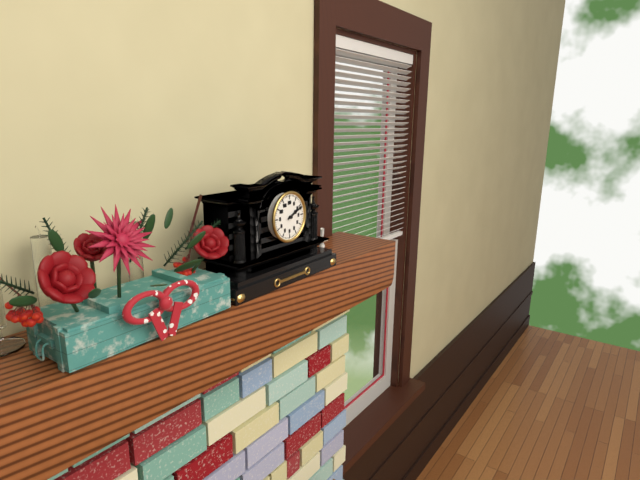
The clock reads **2:11**
